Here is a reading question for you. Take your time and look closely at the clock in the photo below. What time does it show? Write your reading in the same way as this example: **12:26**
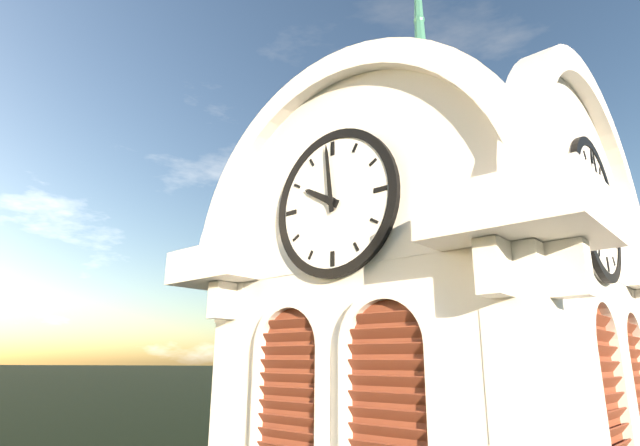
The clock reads **9:59**
